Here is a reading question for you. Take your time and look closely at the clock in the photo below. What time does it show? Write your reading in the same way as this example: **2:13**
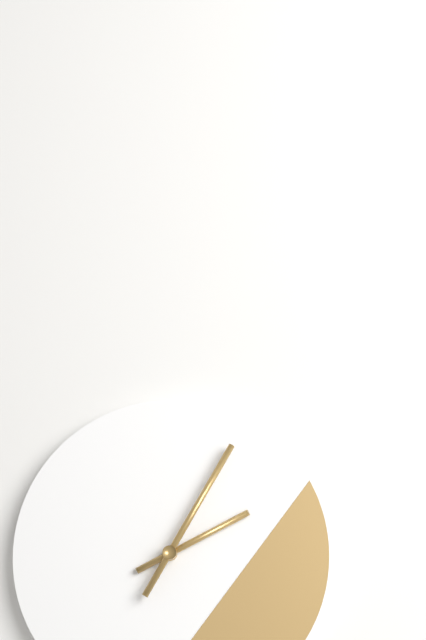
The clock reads **2:05**
